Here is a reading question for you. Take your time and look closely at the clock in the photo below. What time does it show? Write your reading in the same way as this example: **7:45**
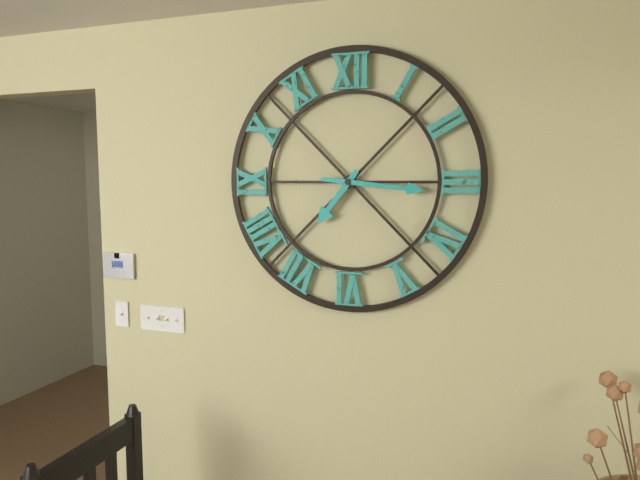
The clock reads **7:16**
